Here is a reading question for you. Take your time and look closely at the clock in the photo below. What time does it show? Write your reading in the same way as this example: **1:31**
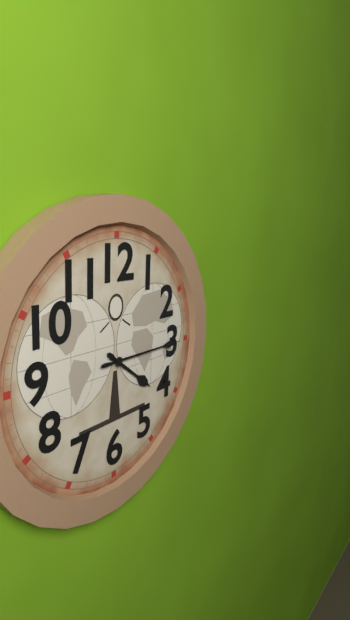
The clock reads **4:15**
